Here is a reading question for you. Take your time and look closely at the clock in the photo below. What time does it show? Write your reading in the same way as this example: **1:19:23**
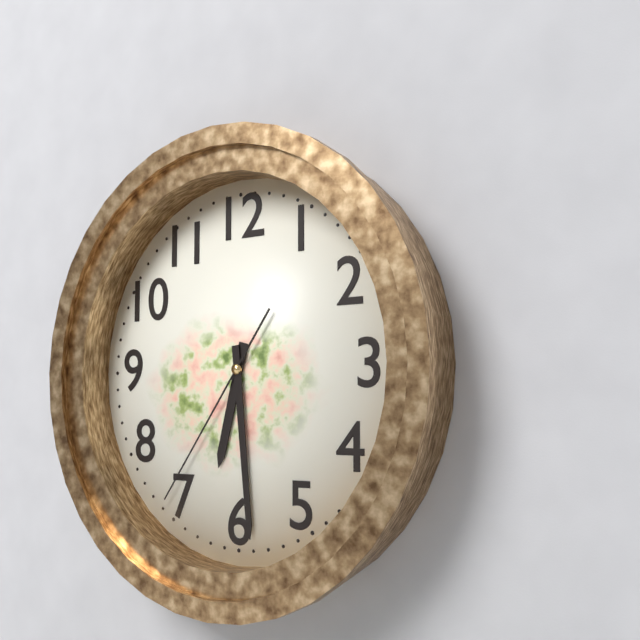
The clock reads **6:29:36**
